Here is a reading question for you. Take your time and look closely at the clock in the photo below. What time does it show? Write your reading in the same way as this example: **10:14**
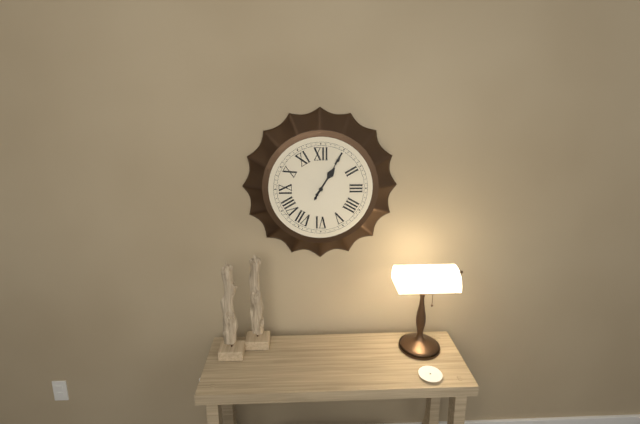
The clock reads **1:05**
